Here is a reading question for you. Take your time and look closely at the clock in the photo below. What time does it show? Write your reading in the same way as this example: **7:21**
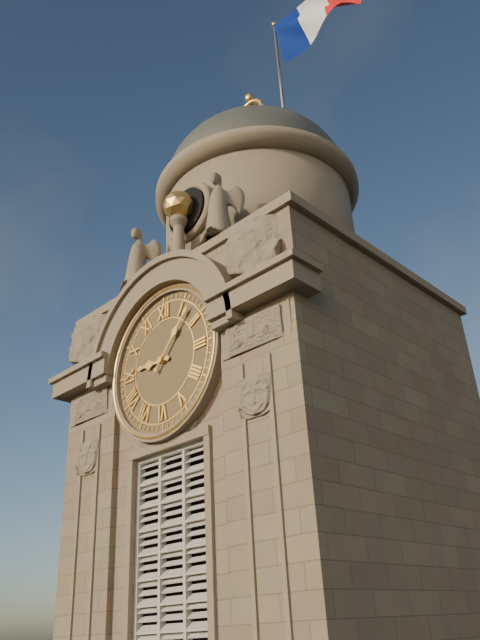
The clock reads **9:07**
